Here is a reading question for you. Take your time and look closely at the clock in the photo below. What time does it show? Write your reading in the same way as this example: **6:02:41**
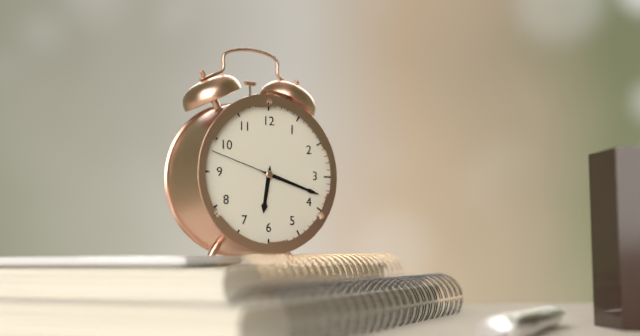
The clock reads **6:18:48**
